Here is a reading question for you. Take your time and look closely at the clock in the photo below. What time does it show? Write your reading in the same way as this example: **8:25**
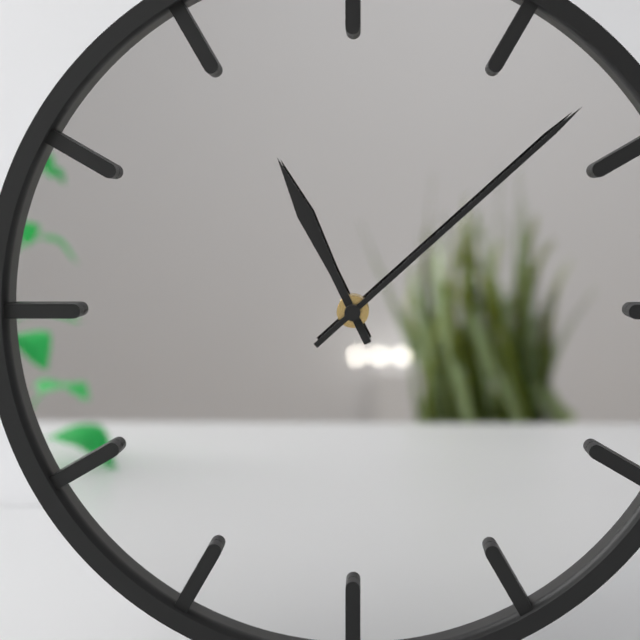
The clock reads **11:08**
